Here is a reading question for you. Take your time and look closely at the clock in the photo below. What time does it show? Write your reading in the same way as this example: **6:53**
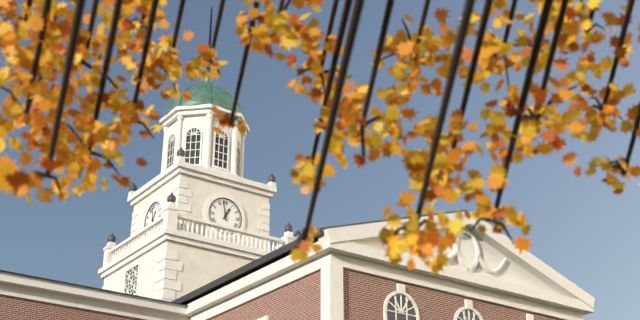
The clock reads **12:58**
